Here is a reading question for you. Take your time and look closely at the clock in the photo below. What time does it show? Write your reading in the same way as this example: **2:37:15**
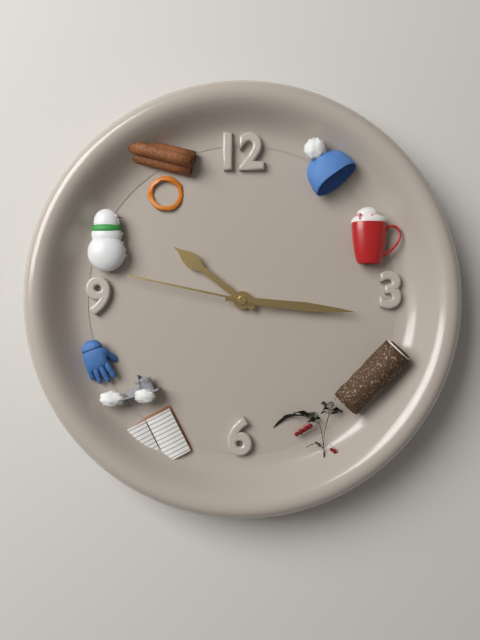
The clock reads **10:16:47**
